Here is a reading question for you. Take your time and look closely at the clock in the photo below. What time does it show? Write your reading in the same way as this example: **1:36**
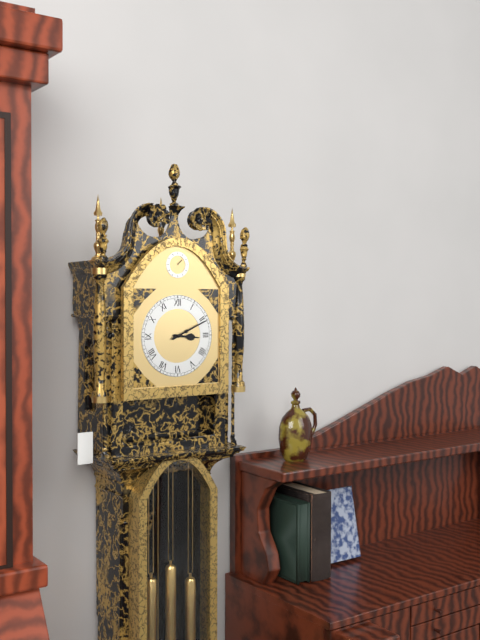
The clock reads **3:11**
